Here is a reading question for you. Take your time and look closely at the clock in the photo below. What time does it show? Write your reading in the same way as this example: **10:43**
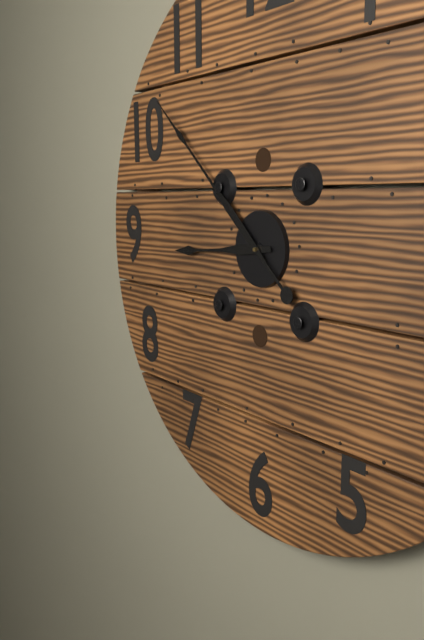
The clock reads **8:52**
